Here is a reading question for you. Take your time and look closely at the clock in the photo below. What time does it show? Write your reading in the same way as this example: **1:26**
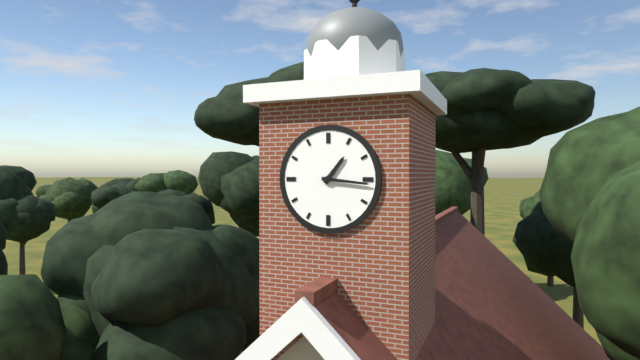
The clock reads **1:16**
